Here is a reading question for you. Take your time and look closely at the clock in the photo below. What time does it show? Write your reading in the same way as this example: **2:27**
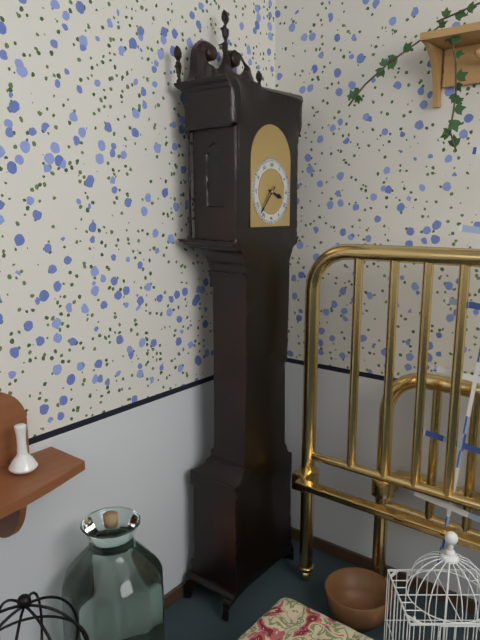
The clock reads **3:37**
